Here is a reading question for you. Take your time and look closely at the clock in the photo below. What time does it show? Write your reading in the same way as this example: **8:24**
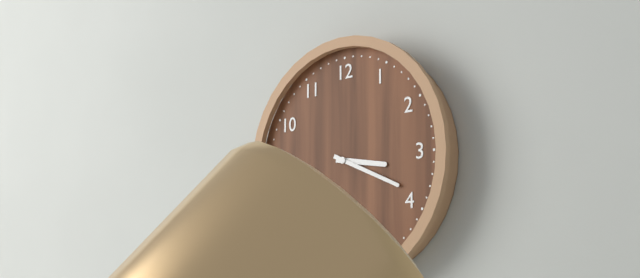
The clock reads **3:19**
